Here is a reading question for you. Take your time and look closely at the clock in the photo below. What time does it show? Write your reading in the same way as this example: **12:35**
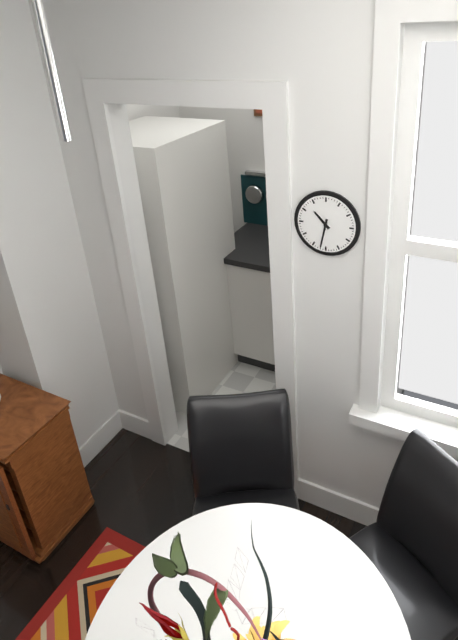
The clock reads **10:32**
